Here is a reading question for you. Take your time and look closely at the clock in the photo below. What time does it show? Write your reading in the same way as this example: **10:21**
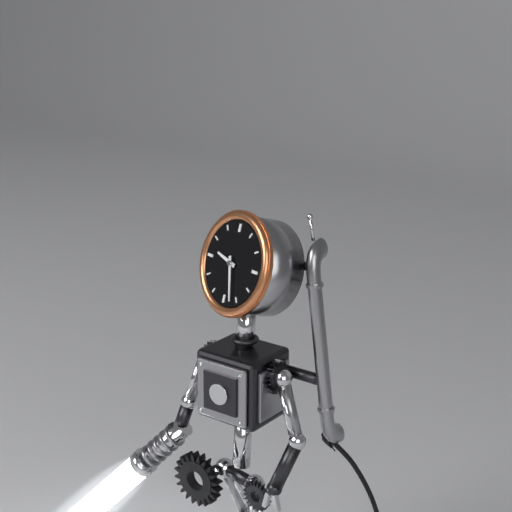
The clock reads **9:27**
